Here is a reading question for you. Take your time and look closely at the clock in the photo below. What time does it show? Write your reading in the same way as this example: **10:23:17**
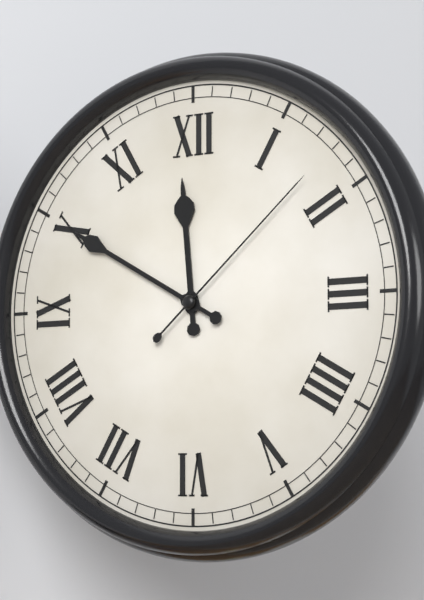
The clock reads **11:50:08**
